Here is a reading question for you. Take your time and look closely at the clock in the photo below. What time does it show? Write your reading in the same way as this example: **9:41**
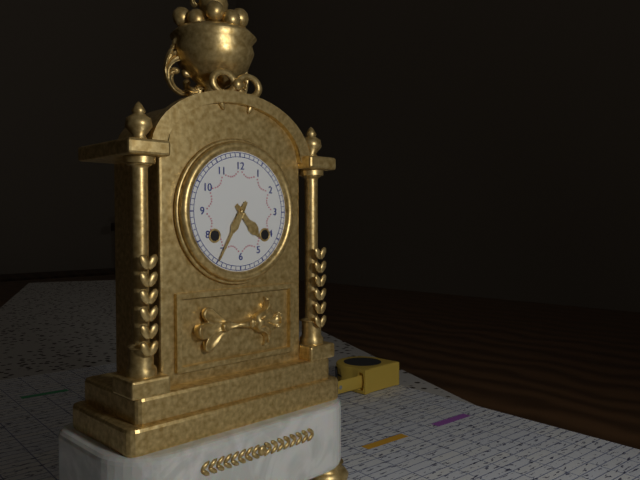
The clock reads **4:35**
